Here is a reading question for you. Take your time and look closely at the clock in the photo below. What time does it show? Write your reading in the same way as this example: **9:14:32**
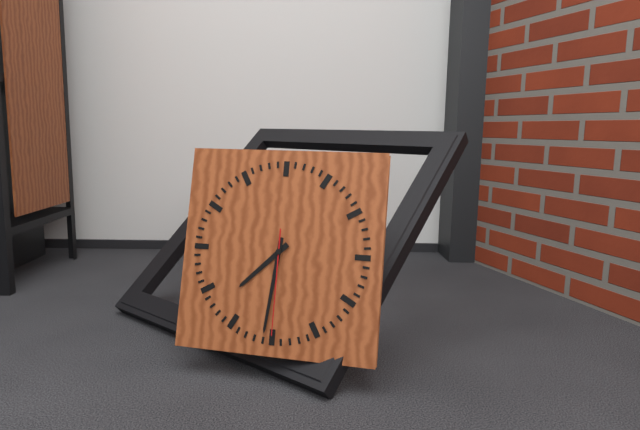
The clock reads **7:31:30**
